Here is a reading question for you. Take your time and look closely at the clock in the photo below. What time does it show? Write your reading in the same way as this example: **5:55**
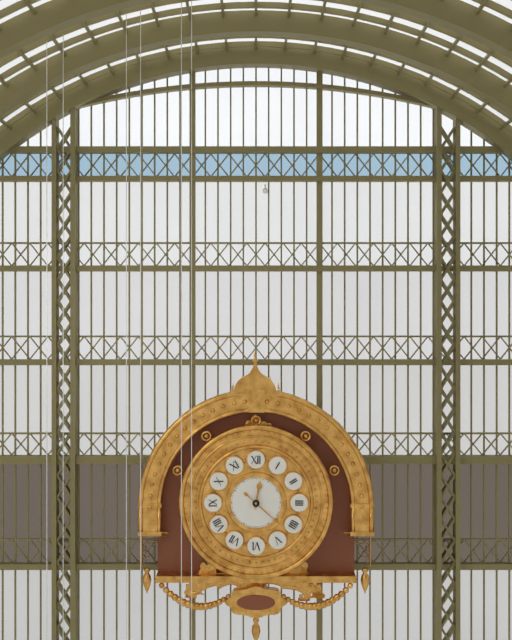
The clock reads **12:22**
